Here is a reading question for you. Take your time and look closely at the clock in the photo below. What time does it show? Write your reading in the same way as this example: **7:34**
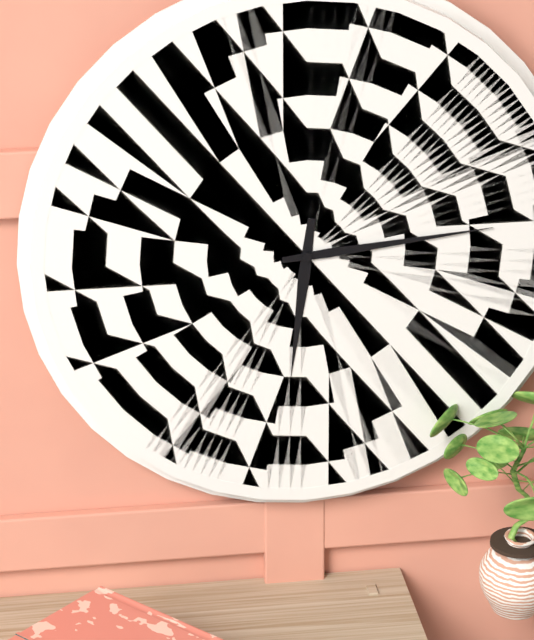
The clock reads **6:14**
